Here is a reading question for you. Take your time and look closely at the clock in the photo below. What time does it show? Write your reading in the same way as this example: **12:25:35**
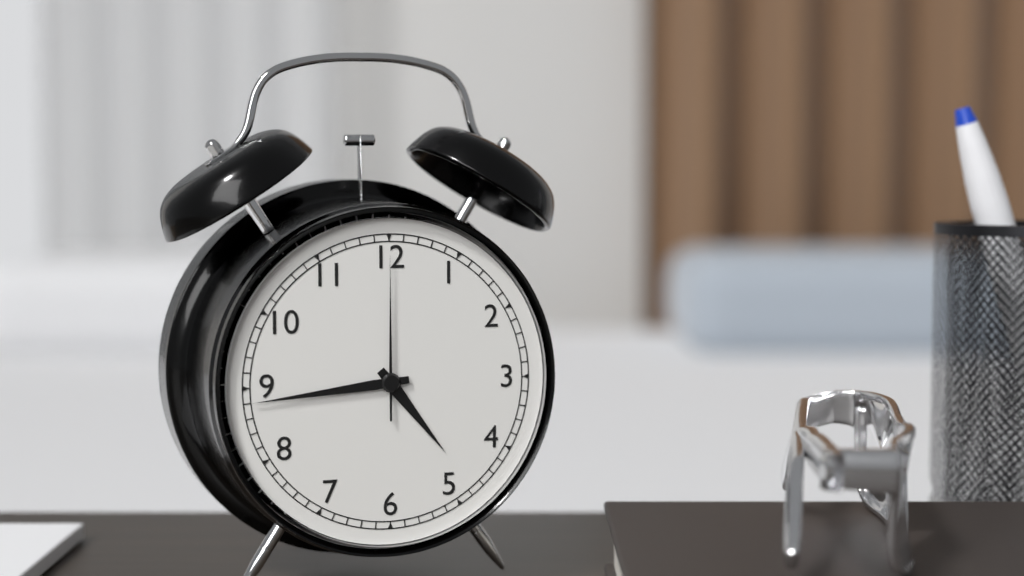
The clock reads **4:44:00**
